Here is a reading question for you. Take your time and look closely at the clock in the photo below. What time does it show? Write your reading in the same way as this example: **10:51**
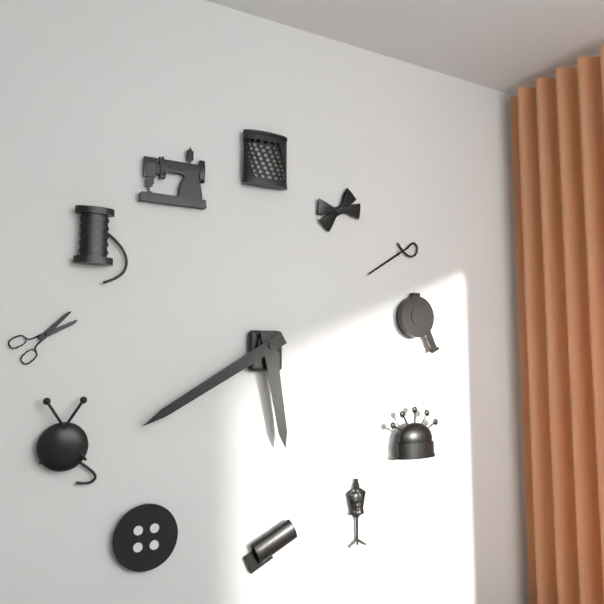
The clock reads **5:40**
